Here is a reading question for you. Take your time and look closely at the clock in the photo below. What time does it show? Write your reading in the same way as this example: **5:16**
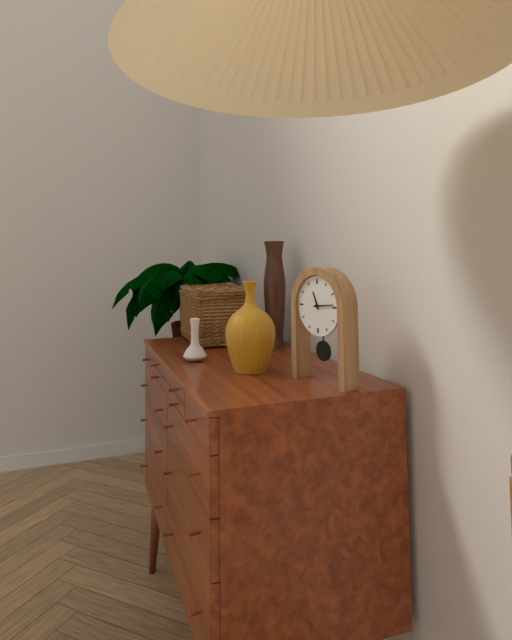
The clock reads **11:14**
